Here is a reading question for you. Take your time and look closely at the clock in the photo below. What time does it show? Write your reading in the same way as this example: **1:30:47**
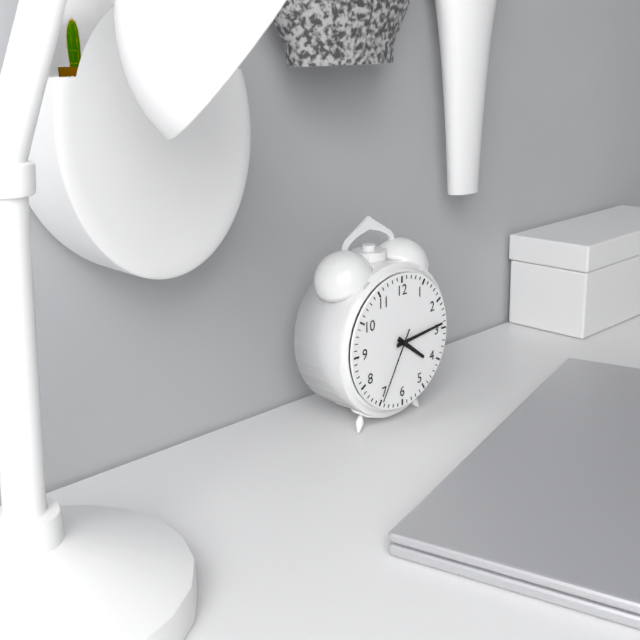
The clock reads **4:14:35**
